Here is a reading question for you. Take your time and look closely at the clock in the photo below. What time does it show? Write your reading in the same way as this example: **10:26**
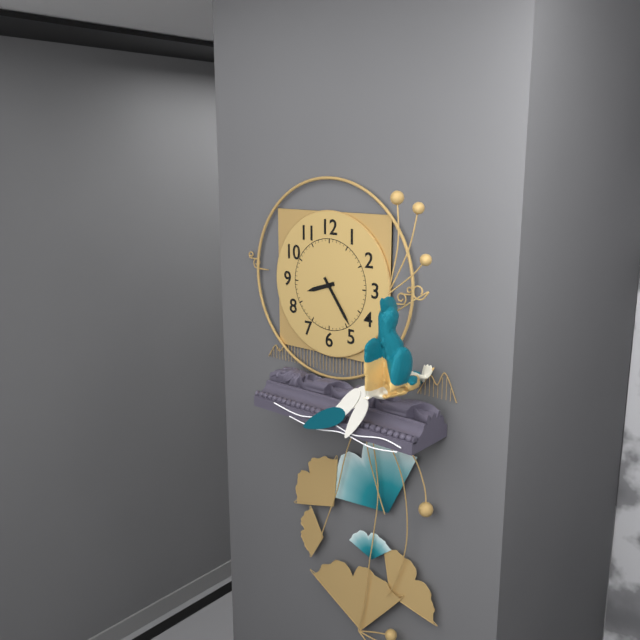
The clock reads **8:24**
